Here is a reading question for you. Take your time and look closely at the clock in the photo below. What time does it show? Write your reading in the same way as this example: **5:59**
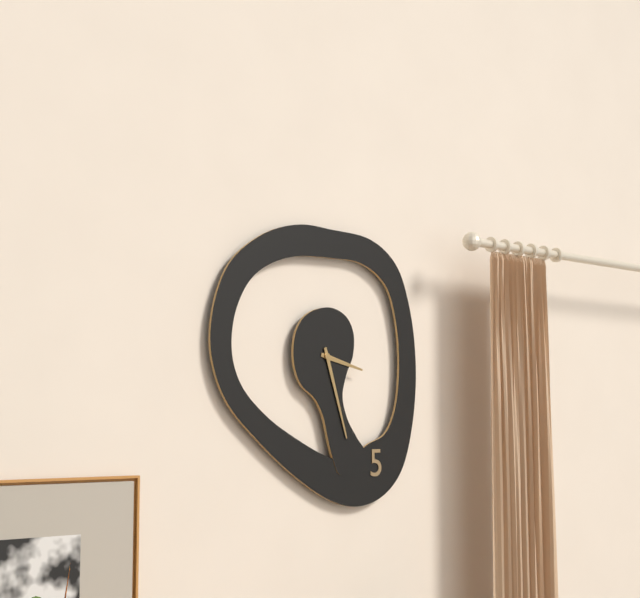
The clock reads **3:27**
